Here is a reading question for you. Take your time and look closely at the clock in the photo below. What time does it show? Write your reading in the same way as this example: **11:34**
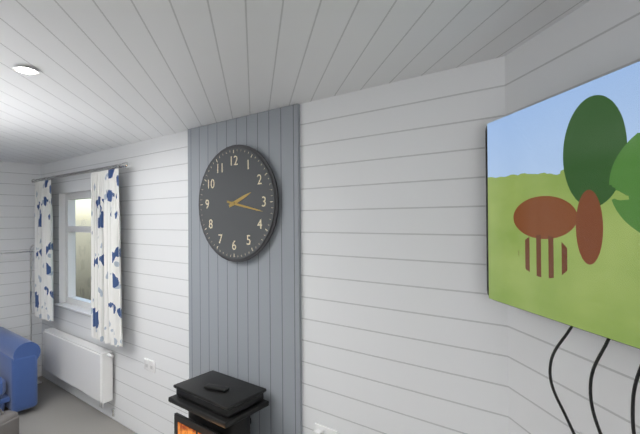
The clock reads **2:17**
